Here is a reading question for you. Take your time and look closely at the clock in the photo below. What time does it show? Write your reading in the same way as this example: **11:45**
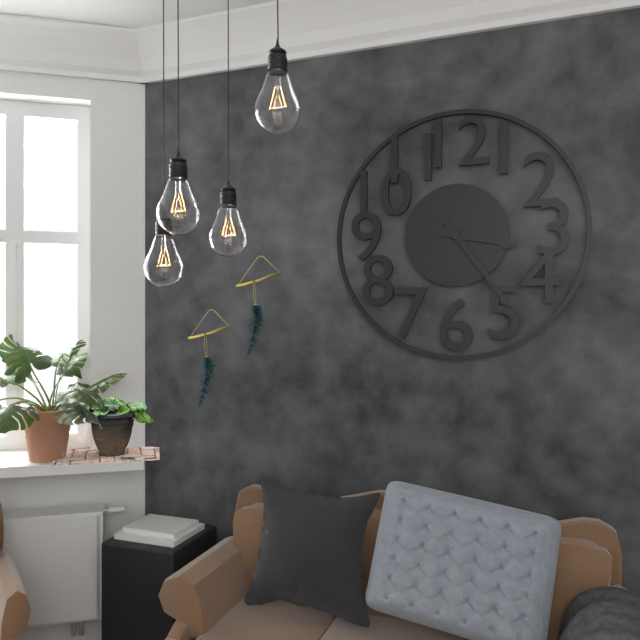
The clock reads **3:24**
